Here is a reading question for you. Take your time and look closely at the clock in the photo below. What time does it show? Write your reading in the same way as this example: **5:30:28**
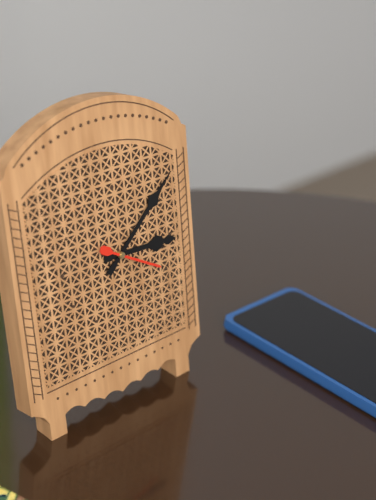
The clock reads **3:08:20**
